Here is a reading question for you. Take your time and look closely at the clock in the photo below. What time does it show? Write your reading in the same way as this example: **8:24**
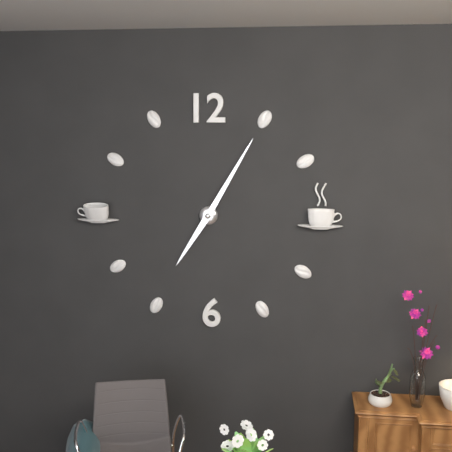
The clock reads **7:05**
